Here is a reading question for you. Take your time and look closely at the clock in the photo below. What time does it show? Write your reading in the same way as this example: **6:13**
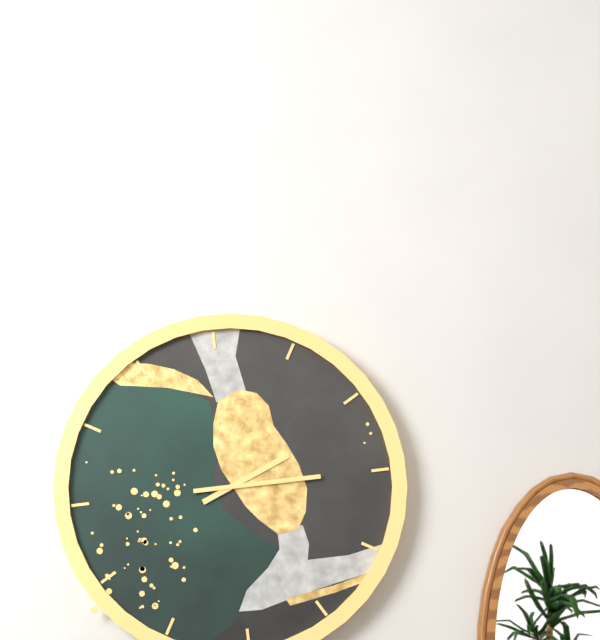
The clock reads **2:15**
